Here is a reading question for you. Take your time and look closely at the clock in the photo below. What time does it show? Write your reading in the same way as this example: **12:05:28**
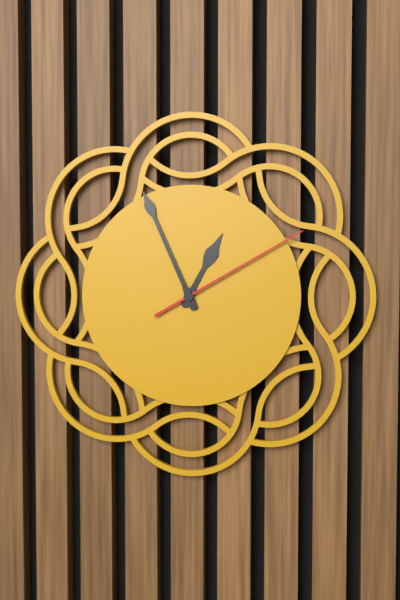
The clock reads **12:56:10**
